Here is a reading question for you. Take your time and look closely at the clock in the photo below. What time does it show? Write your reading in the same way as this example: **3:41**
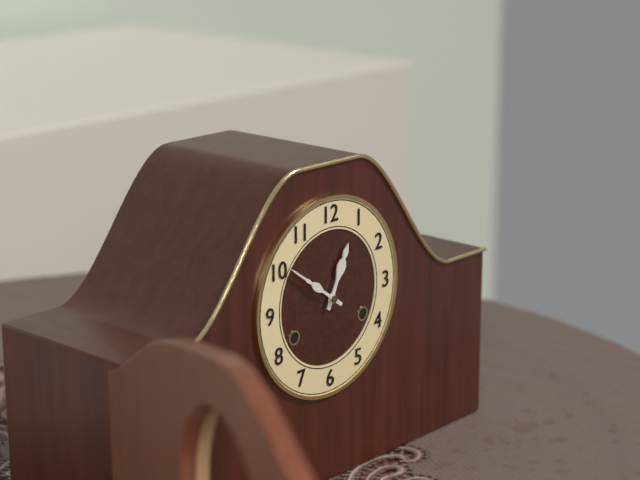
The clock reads **12:51**
